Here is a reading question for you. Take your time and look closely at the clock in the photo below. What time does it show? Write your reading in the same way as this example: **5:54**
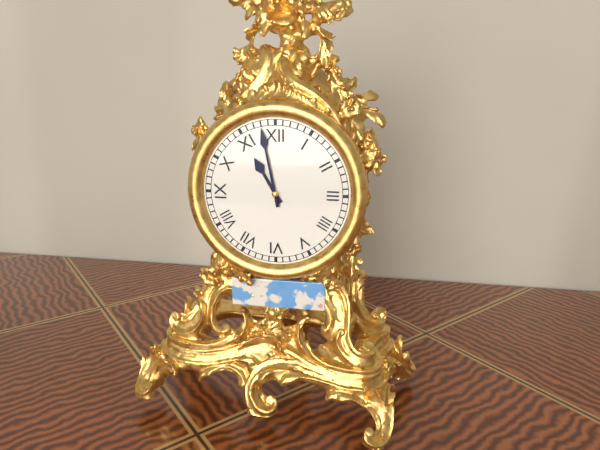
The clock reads **10:58**
